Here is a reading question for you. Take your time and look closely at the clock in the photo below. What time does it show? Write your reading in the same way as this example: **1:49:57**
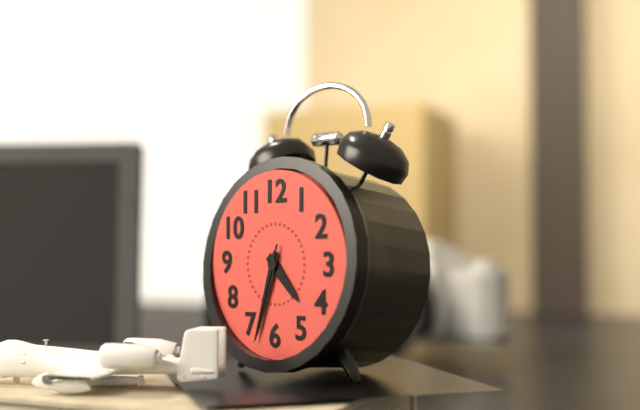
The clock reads **4:33:33**
